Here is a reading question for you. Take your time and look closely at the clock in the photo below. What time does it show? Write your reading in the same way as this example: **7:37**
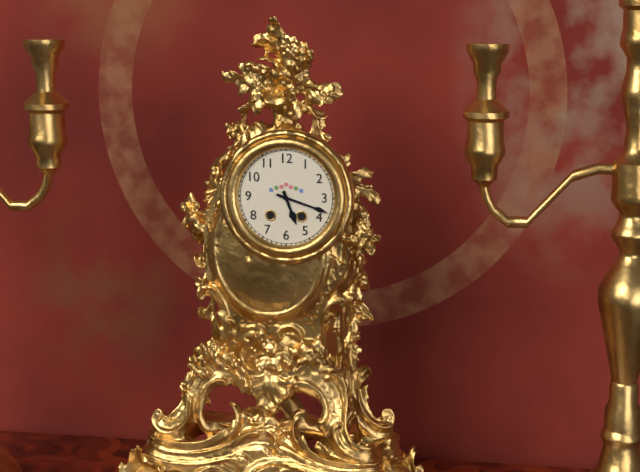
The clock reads **5:18**
